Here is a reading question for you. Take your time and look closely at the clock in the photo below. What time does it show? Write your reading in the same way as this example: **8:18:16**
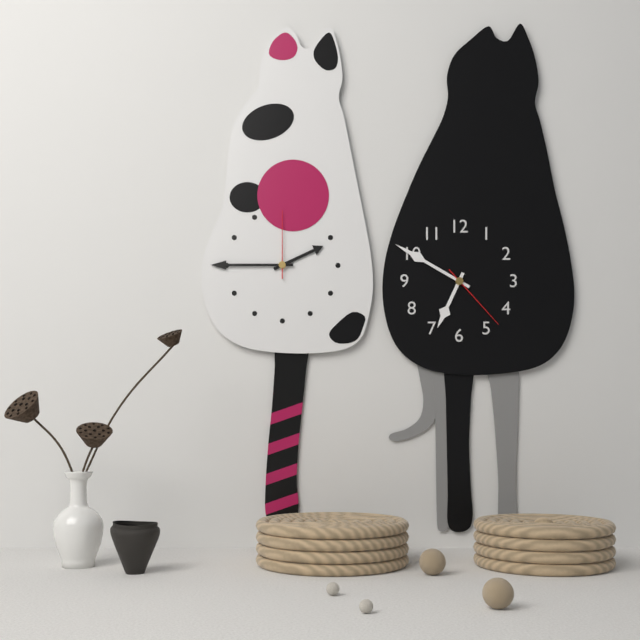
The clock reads **6:50:23**
